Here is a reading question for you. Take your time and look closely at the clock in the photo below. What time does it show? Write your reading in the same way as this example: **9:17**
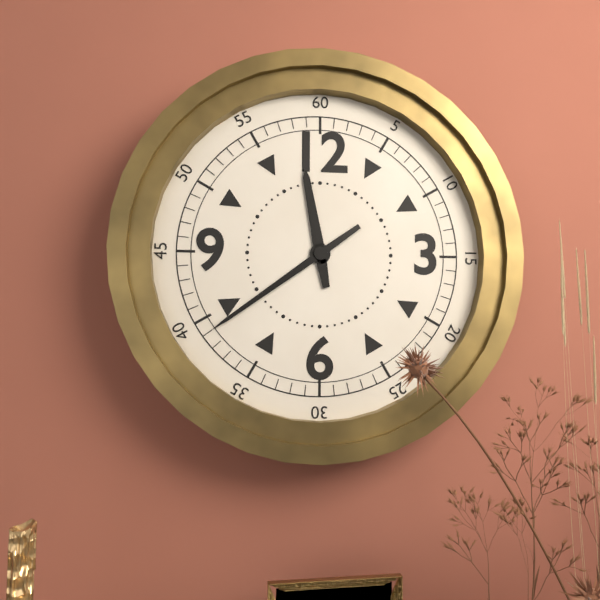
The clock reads **11:39**
